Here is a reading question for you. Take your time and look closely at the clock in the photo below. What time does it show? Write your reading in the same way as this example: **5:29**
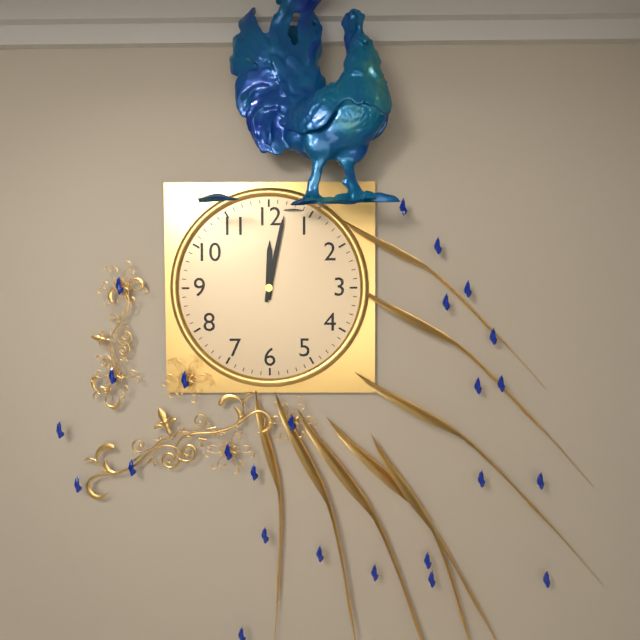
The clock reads **12:02**
